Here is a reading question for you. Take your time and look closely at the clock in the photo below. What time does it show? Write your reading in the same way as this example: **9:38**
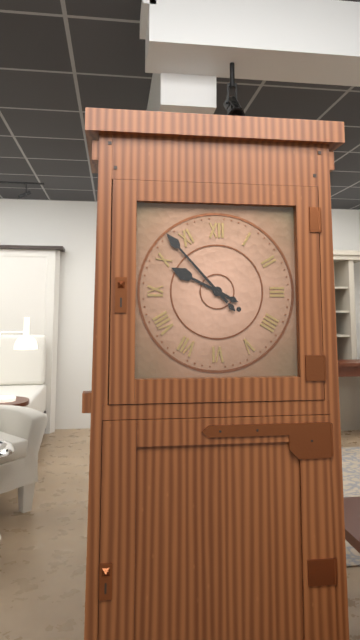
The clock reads **9:53**
